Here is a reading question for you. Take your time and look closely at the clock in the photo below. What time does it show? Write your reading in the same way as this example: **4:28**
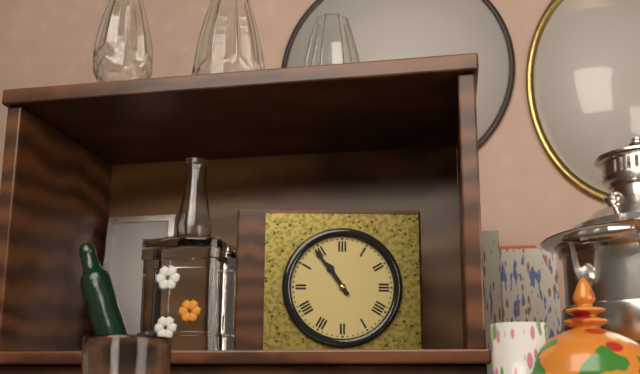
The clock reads **10:54**
